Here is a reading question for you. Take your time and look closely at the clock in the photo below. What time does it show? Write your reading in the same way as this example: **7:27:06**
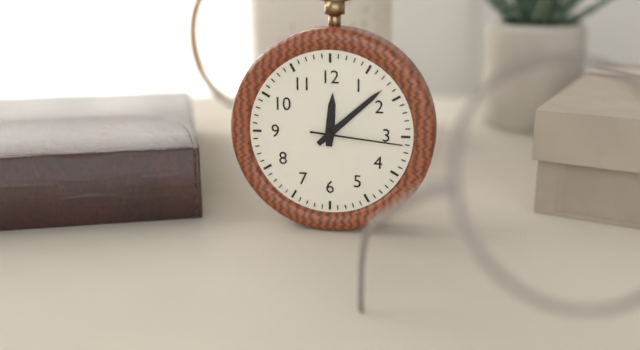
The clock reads **12:08:16**
